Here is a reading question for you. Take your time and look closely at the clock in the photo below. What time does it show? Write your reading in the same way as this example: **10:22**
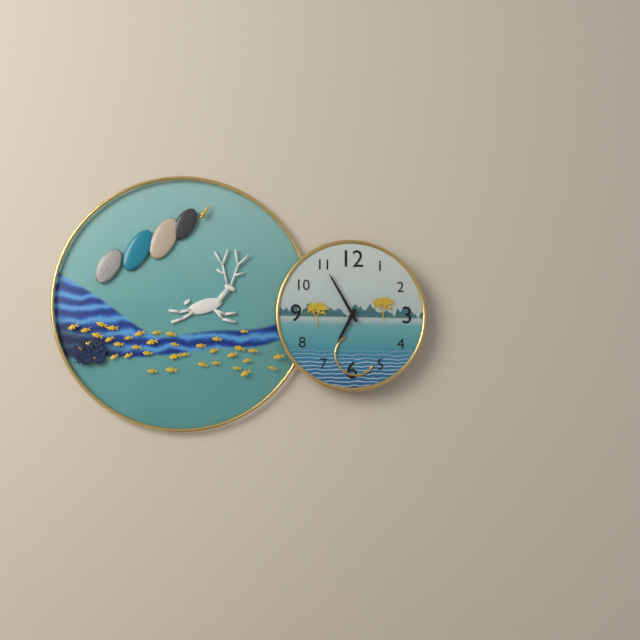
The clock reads **6:55**
